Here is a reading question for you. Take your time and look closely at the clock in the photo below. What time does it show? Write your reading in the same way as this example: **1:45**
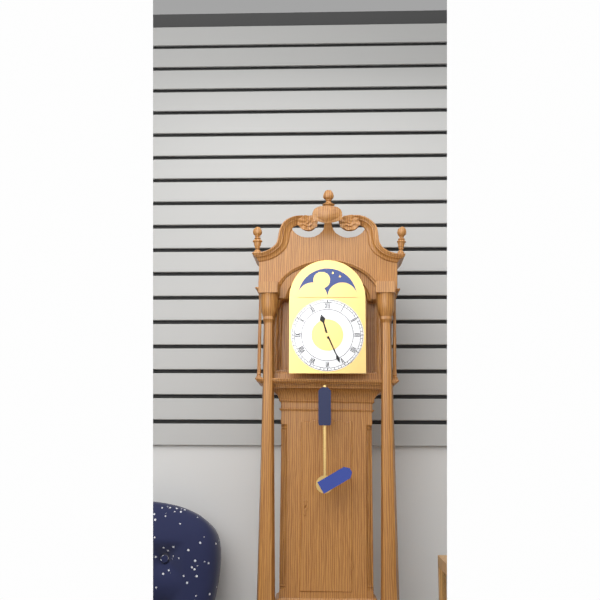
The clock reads **11:26**
